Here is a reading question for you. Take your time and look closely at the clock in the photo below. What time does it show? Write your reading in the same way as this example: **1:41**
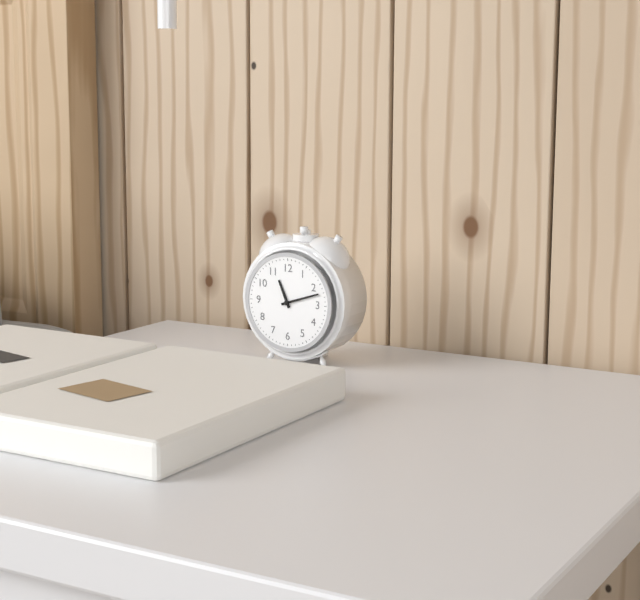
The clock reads **11:12**
